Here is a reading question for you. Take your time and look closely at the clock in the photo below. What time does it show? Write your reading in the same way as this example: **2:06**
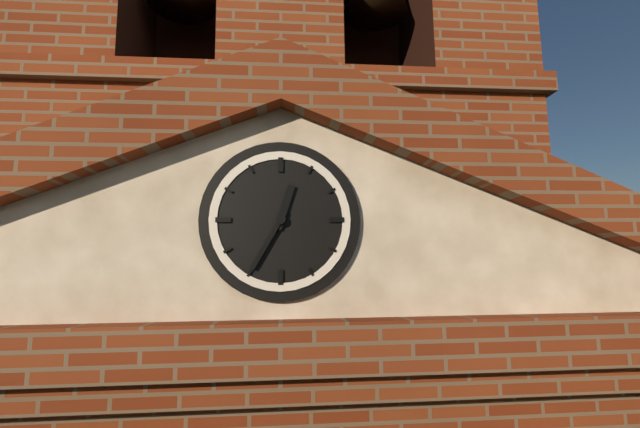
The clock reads **12:35**
